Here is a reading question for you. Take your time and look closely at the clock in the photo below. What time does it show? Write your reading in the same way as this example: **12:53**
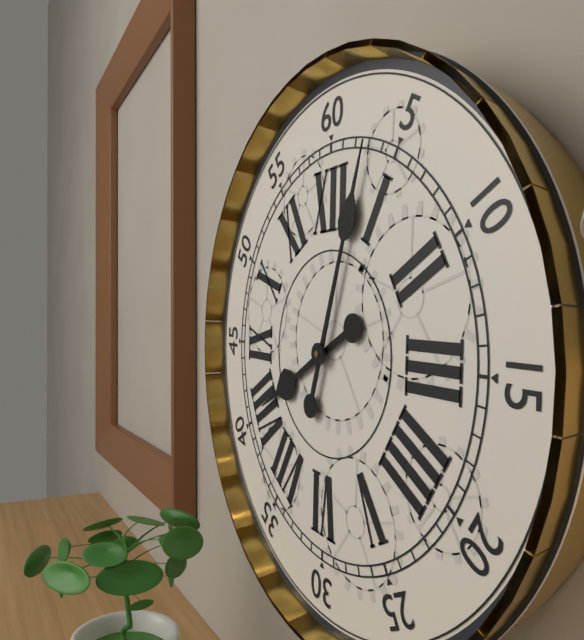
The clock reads **8:03**
